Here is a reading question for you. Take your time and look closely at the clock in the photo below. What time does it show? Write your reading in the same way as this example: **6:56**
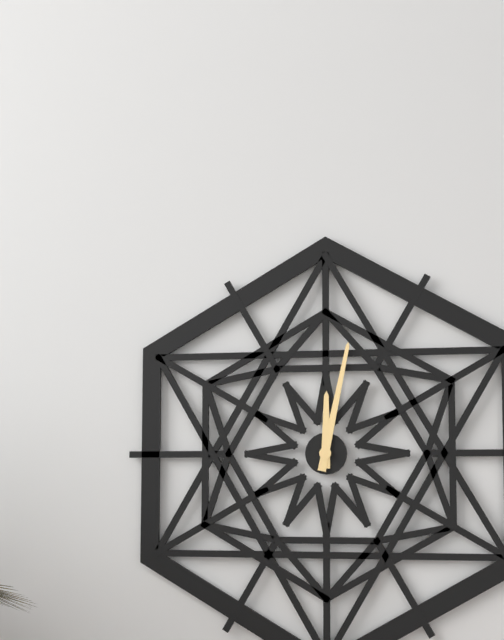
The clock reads **12:02**
